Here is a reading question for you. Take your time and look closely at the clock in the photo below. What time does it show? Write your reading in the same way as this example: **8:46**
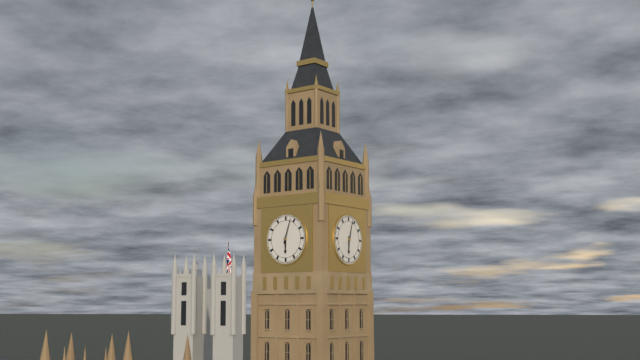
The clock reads **6:03**
